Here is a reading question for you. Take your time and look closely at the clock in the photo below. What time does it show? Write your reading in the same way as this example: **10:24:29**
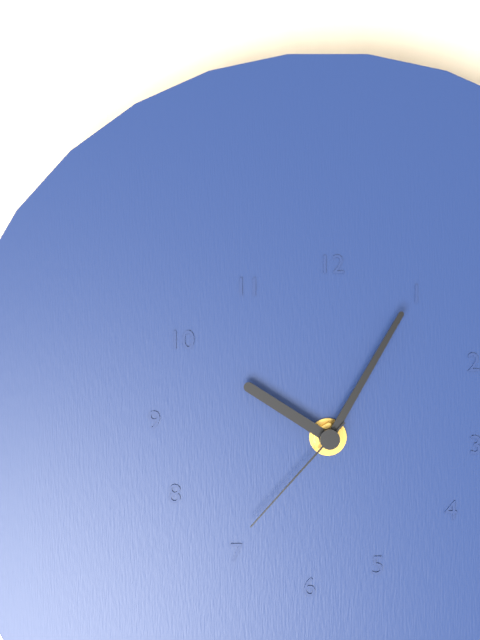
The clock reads **10:05:37**
